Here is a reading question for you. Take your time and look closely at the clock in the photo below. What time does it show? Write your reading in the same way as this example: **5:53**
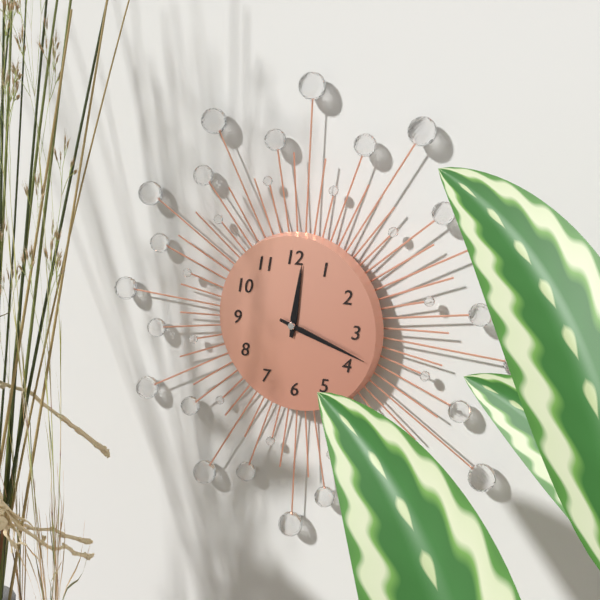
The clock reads **12:18**
